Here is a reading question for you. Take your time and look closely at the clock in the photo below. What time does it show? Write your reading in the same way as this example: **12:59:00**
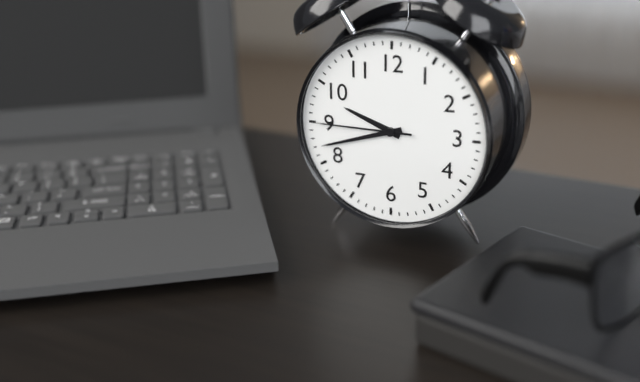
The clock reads **9:42:45**
